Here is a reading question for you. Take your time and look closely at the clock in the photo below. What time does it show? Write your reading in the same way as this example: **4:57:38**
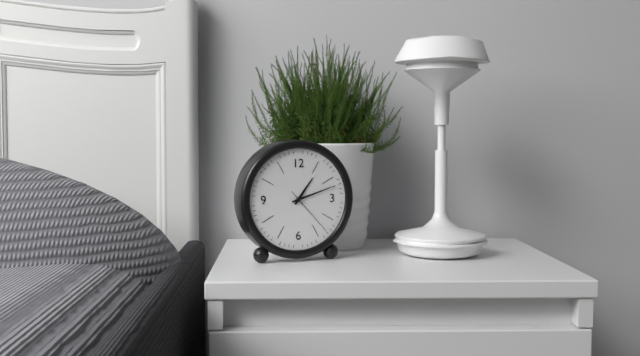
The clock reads **1:12:23**
